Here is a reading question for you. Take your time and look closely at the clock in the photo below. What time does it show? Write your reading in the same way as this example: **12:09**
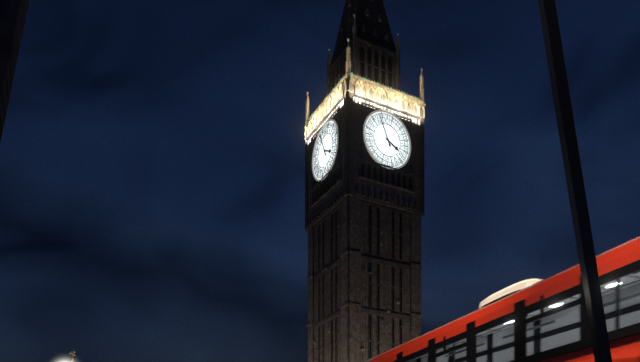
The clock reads **3:56**
